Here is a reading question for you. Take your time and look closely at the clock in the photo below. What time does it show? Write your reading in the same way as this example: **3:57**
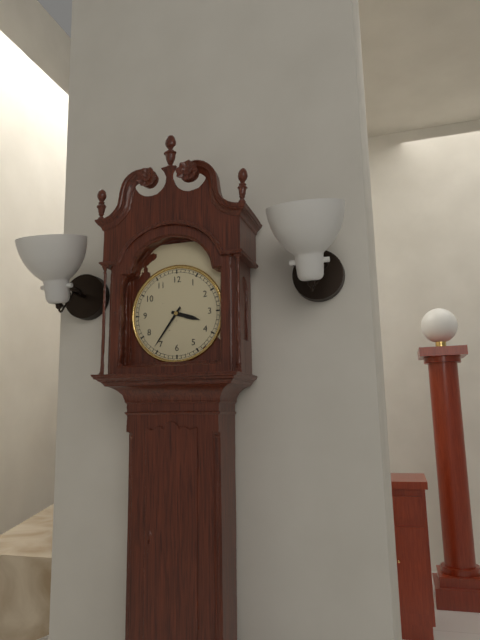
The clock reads **3:36**
